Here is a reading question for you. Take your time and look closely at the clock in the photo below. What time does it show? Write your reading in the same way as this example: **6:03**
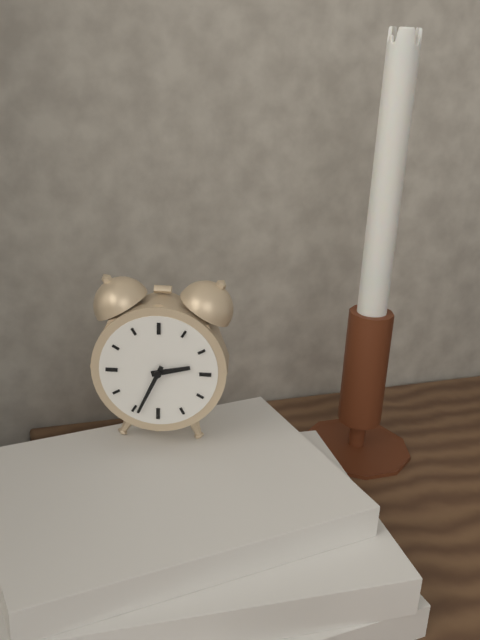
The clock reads **2:34**
